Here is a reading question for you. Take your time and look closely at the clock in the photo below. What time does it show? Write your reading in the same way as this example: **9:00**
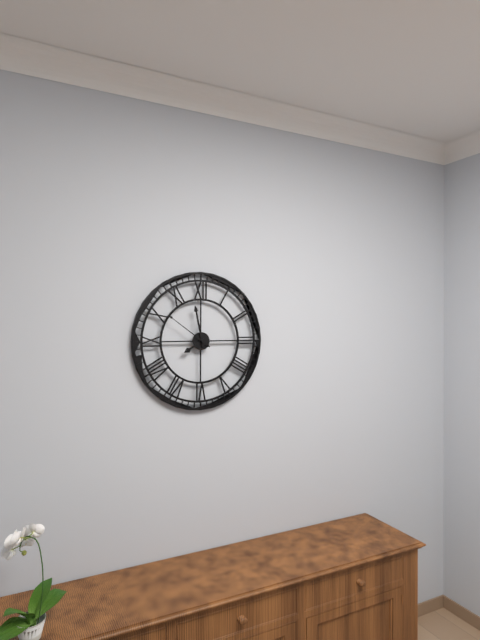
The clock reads **7:58**
